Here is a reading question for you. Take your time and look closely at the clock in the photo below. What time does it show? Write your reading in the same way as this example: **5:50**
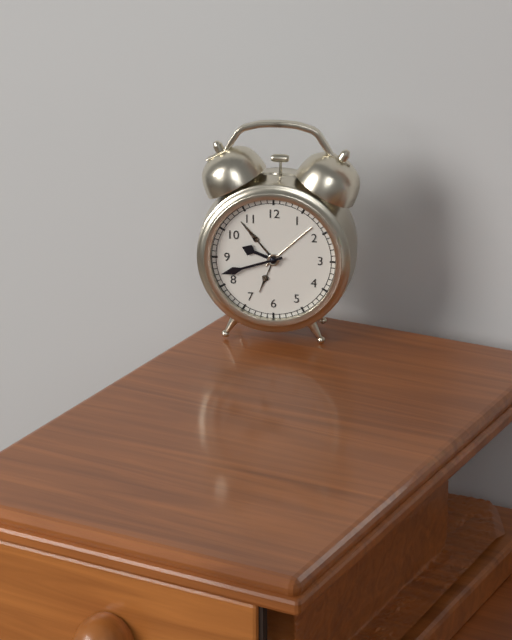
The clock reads **9:42**
